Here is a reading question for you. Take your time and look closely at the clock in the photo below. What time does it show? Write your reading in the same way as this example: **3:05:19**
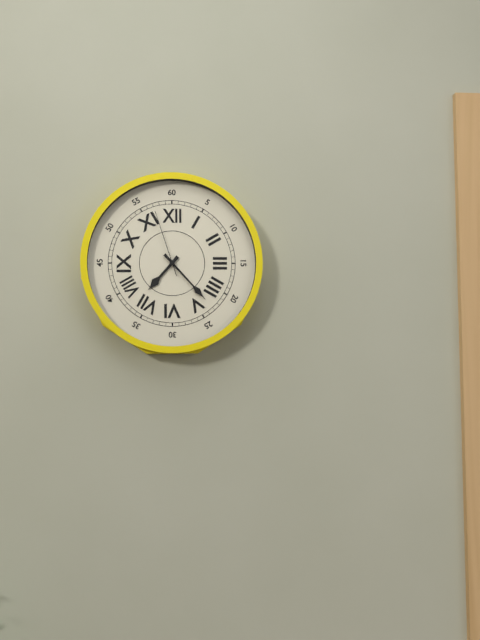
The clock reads **7:23:57**
